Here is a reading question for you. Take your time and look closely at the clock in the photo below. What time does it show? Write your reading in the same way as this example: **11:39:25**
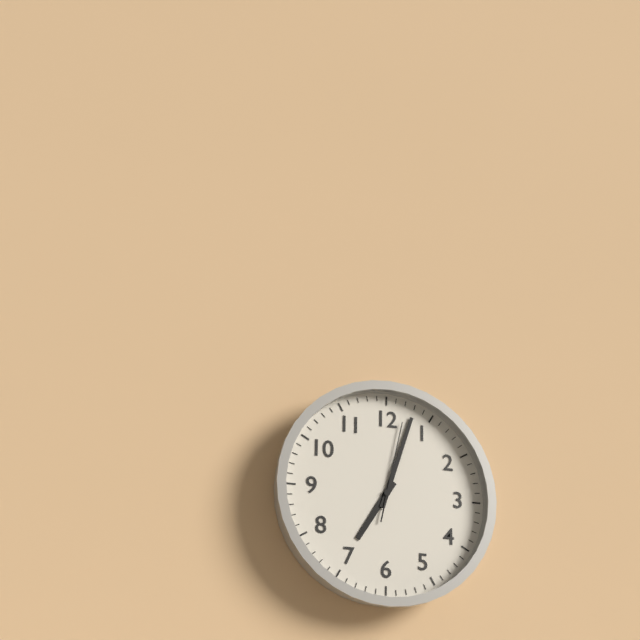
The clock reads **7:03:02**
